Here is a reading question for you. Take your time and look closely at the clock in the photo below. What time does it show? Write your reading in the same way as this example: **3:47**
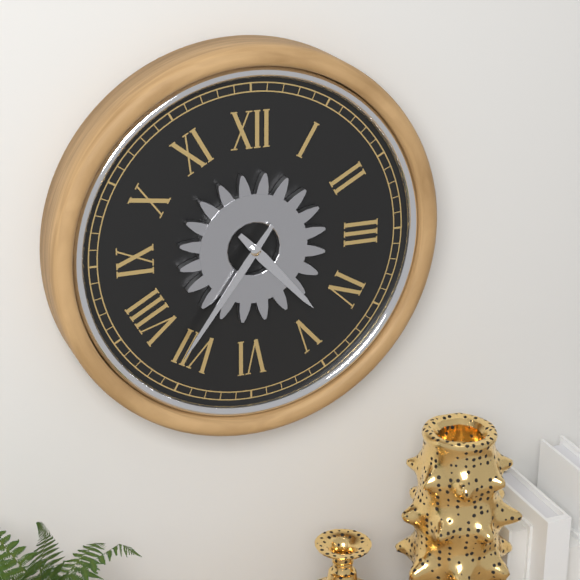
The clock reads **4:36**
